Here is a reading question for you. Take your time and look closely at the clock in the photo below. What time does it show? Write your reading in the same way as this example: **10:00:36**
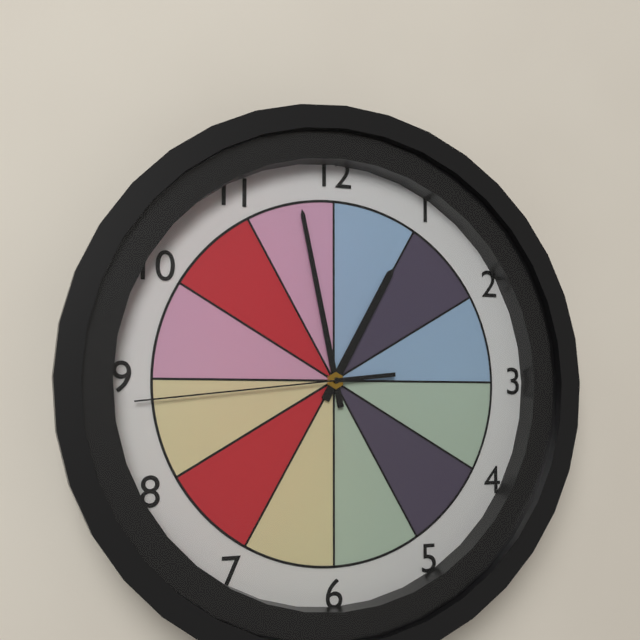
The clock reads **12:58:44**
